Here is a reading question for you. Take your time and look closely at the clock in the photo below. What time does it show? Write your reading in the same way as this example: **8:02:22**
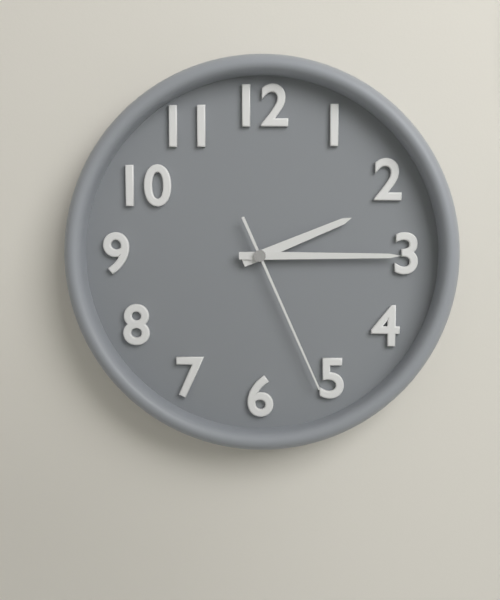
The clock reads **2:15:26**
